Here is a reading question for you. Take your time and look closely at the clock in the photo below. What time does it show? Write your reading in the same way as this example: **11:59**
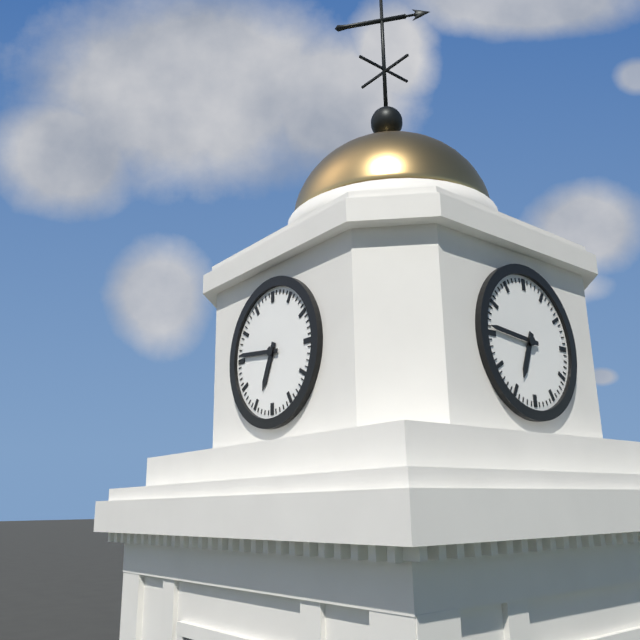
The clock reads **6:46**
